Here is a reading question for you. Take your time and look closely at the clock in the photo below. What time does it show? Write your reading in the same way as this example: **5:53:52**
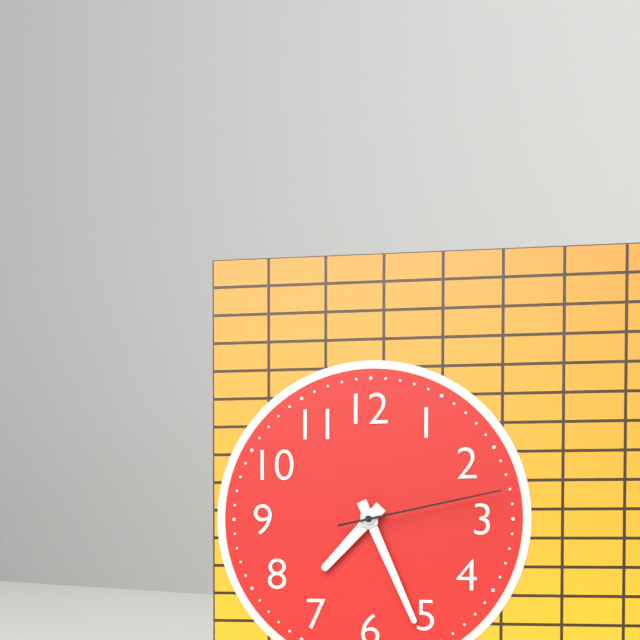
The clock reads **7:26:13**
